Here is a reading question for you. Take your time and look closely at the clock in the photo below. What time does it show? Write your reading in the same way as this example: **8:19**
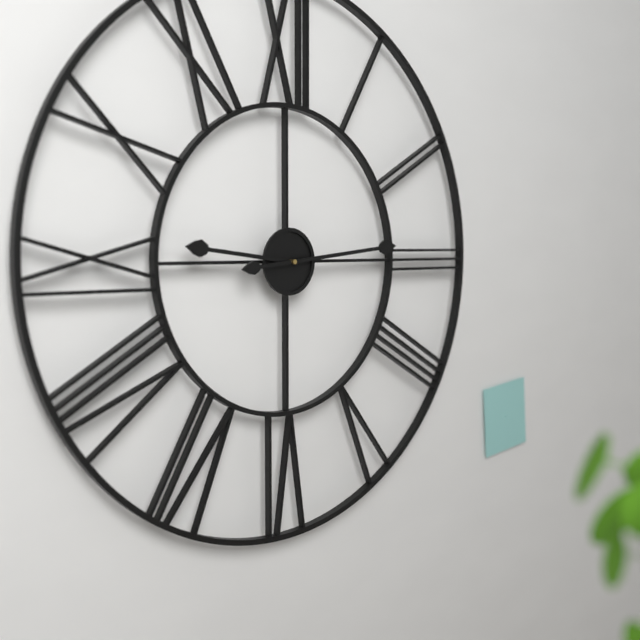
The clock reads **9:14**
